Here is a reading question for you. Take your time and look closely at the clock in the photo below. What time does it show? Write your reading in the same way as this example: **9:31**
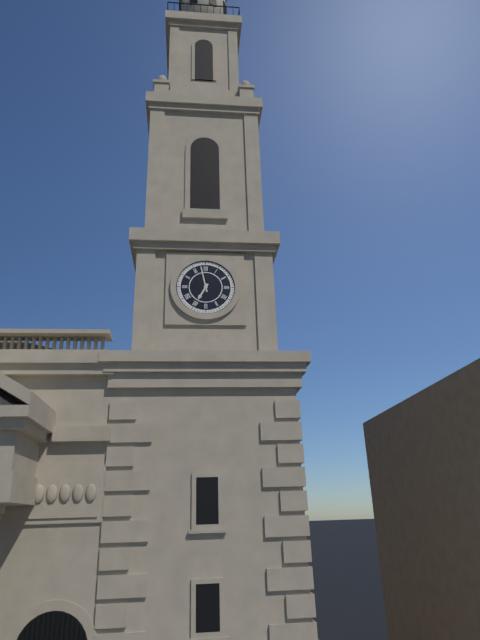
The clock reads **6:58**
